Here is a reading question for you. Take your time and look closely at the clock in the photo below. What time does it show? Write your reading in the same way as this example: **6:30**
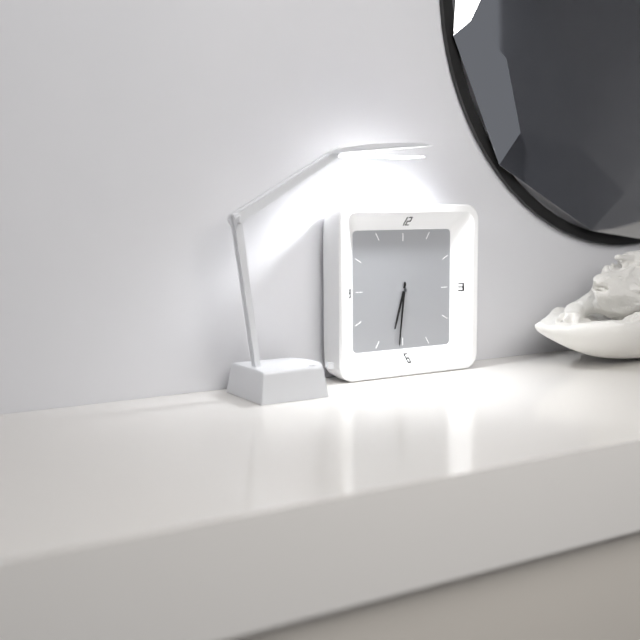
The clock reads **6:31**
